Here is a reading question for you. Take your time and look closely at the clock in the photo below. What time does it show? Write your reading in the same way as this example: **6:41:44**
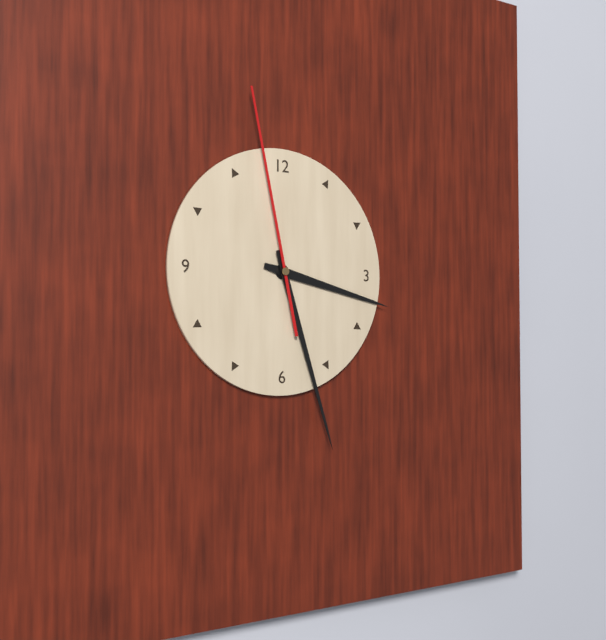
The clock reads **3:27:58**
